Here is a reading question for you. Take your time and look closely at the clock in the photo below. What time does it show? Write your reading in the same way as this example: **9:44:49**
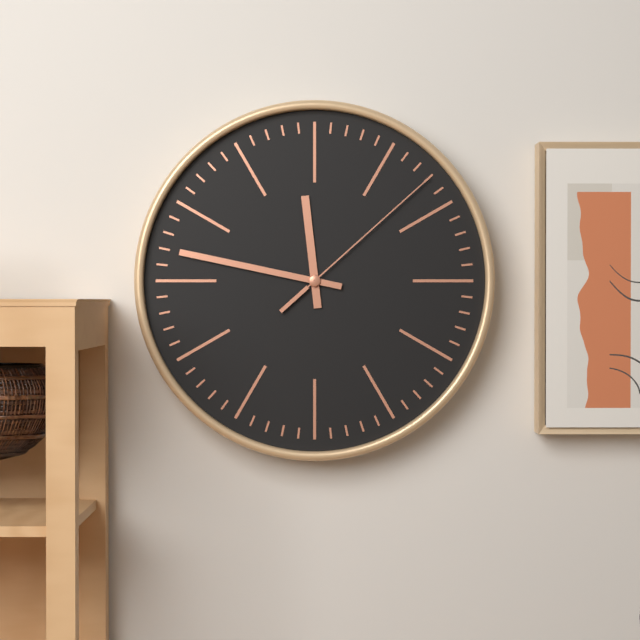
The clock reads **11:47:08**
